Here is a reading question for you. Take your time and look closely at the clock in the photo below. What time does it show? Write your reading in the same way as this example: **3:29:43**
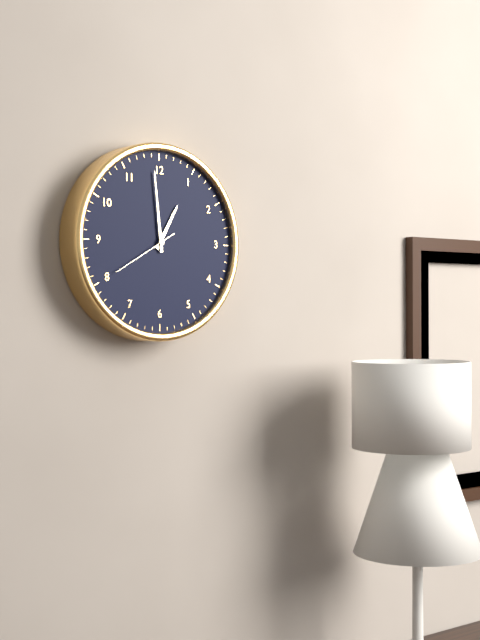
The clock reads **12:59:40**
